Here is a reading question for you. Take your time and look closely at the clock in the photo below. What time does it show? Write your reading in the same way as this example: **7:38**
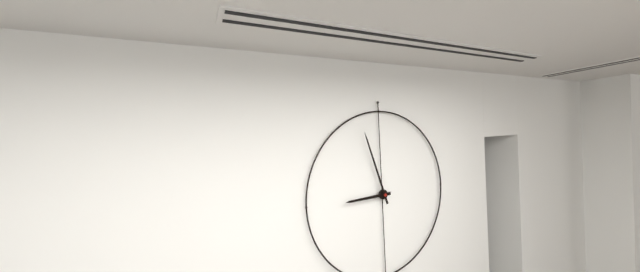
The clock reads **8:57**
